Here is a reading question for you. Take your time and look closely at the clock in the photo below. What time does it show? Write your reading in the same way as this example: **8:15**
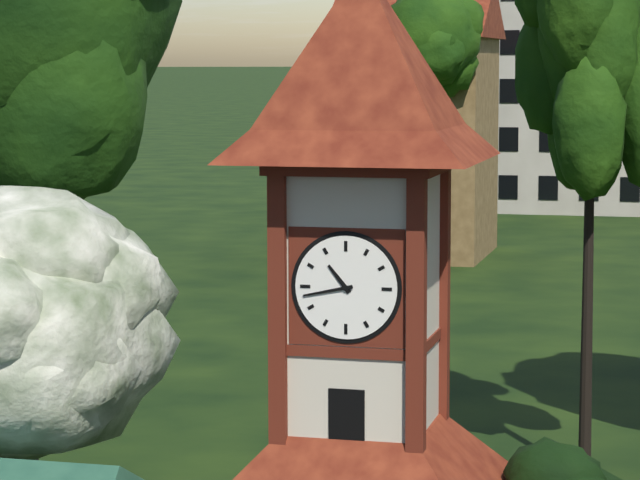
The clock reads **10:43**
